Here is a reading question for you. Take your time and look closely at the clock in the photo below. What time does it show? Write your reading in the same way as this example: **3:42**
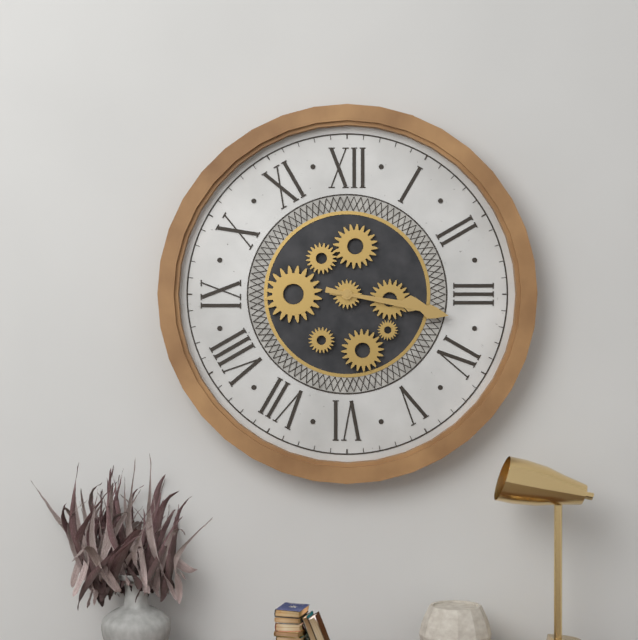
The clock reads **3:17**
